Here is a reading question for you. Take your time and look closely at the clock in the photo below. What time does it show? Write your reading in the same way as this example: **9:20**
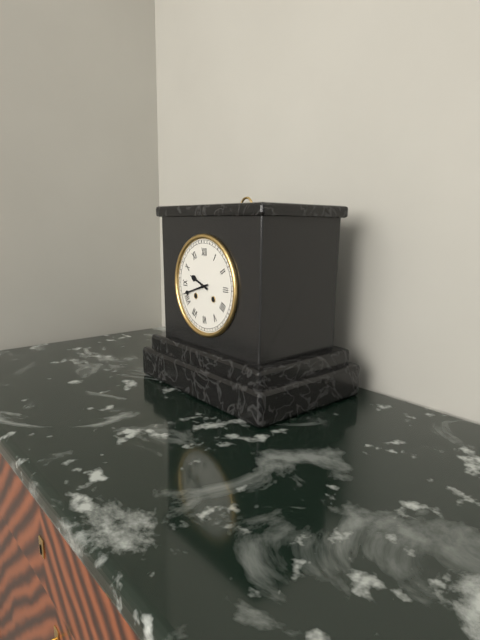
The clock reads **9:42**
